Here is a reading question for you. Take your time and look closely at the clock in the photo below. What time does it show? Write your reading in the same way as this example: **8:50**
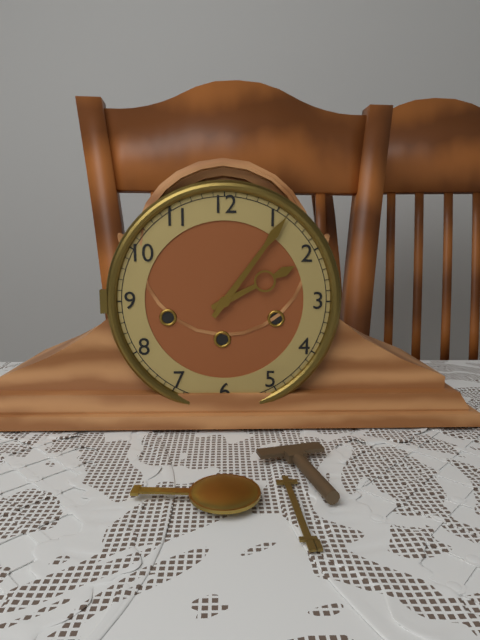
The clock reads **2:06**
